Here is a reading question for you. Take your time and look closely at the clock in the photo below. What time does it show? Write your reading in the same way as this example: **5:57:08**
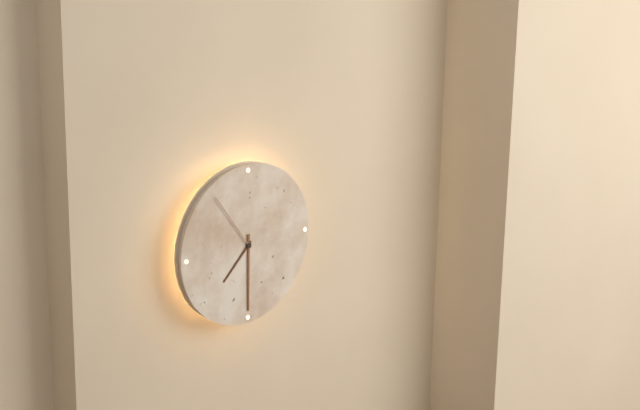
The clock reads **7:30:54**
